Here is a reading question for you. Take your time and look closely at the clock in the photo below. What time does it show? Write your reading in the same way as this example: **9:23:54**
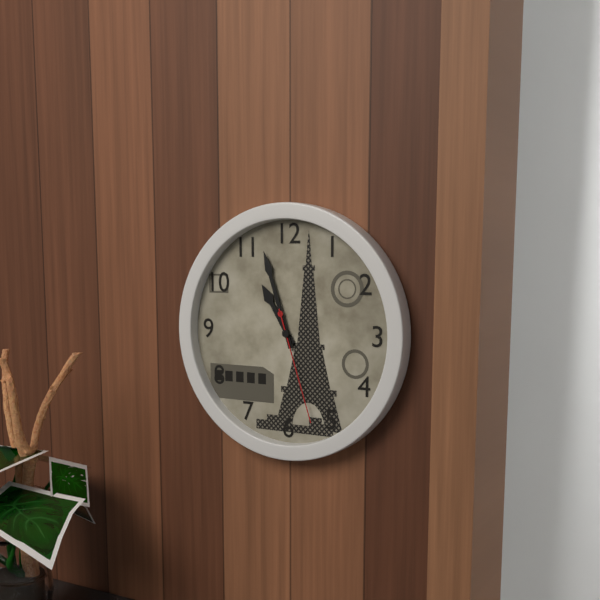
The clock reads **10:57:27**
